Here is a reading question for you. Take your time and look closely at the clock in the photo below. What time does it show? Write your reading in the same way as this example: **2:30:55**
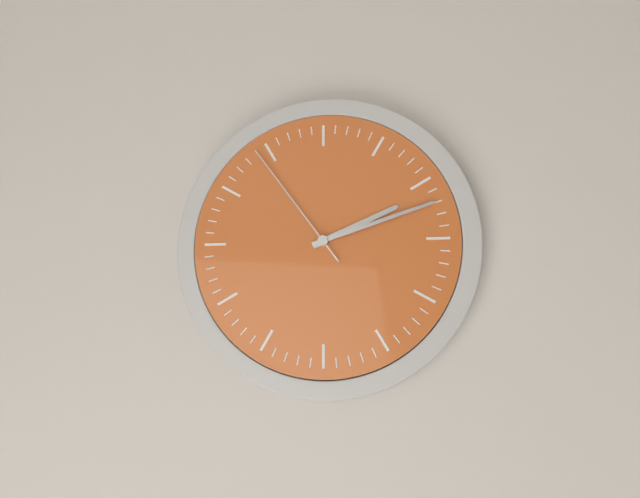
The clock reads **2:12:54**
